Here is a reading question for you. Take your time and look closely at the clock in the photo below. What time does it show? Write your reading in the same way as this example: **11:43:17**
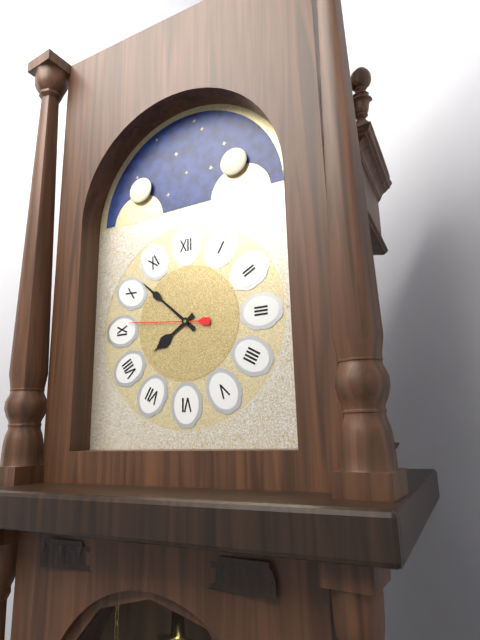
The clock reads **7:52:46**
